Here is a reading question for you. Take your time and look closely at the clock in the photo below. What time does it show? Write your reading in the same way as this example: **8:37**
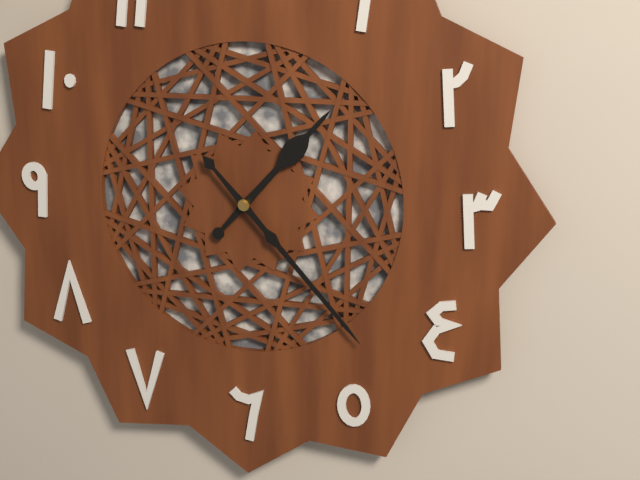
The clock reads **1:23**
